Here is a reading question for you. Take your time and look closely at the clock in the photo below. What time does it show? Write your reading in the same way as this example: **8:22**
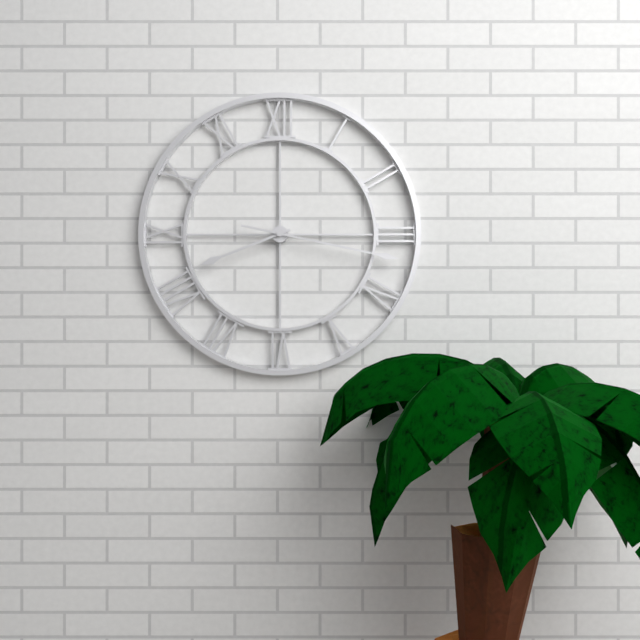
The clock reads **8:17**
